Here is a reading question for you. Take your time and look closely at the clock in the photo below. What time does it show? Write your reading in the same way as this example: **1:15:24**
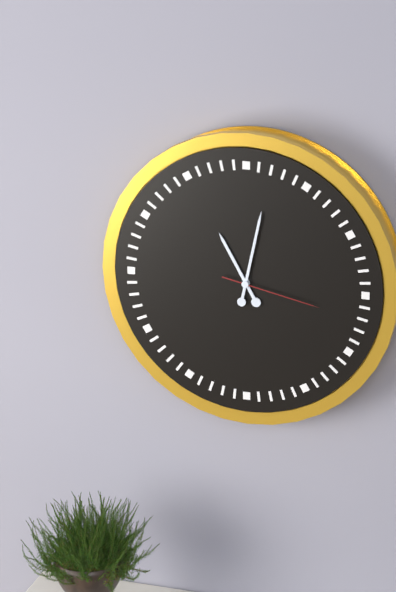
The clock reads **11:02:17**
